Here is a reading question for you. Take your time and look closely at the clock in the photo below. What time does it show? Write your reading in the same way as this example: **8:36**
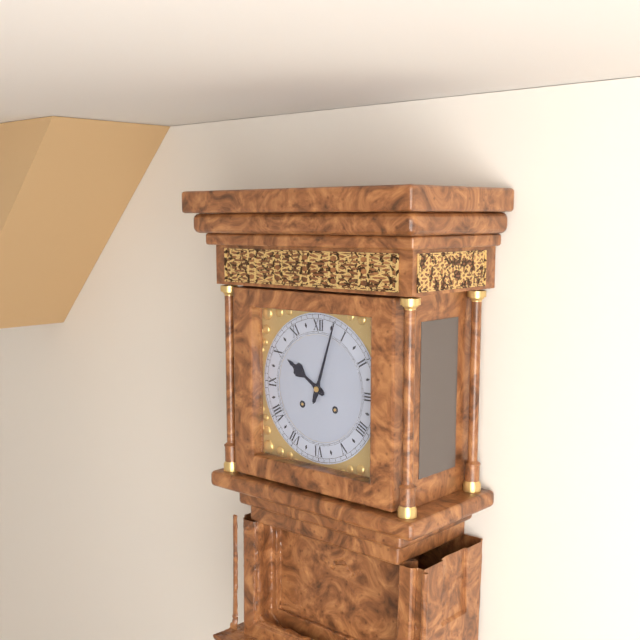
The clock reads **10:03**
